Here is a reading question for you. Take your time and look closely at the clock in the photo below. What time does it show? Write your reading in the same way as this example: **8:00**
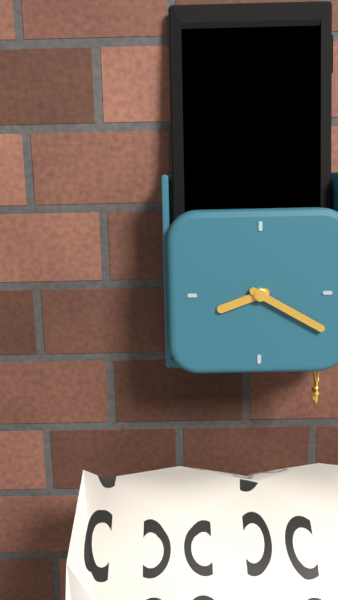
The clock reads **8:20**
